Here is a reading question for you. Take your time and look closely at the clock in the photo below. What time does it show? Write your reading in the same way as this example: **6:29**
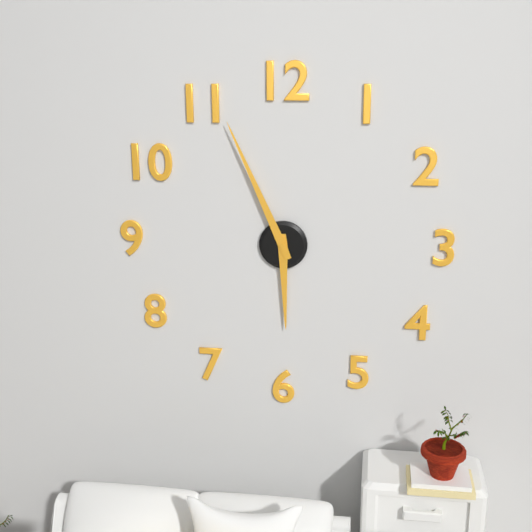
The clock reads **5:56**
